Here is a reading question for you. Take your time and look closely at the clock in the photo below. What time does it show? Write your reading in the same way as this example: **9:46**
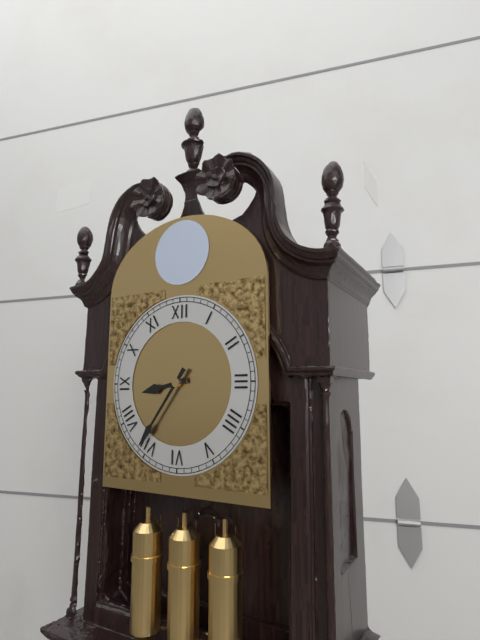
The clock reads **8:36**
